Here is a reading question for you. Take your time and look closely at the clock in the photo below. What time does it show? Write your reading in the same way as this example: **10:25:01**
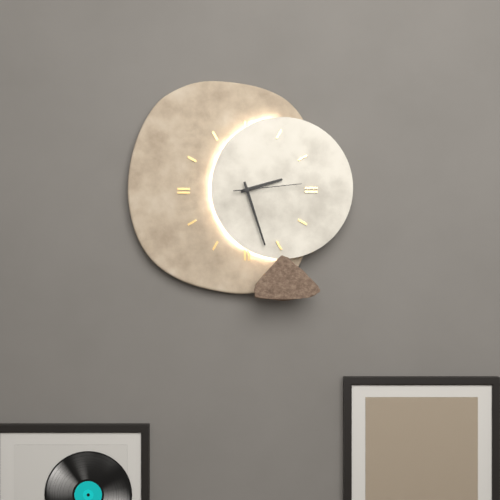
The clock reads **2:27:14**
